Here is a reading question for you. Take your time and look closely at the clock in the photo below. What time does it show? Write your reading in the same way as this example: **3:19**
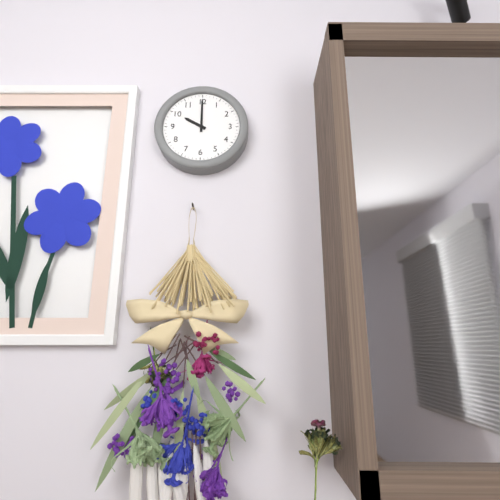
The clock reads **10:00**
